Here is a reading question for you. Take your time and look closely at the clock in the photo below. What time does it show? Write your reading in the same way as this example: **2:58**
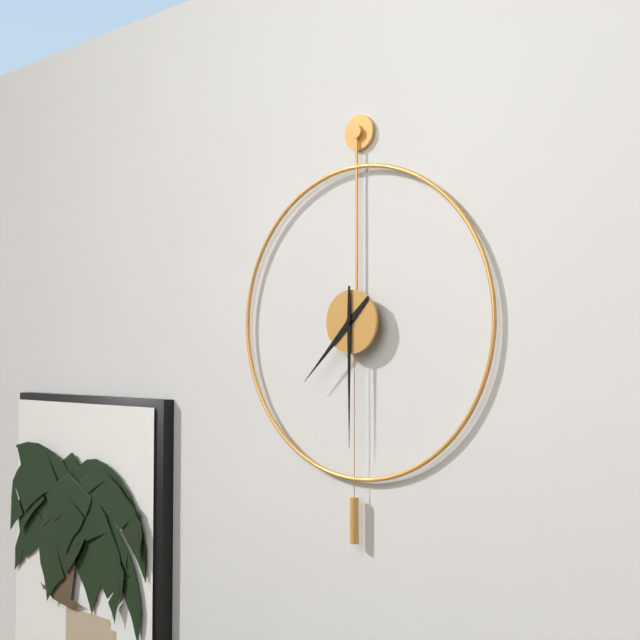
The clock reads **7:30**
